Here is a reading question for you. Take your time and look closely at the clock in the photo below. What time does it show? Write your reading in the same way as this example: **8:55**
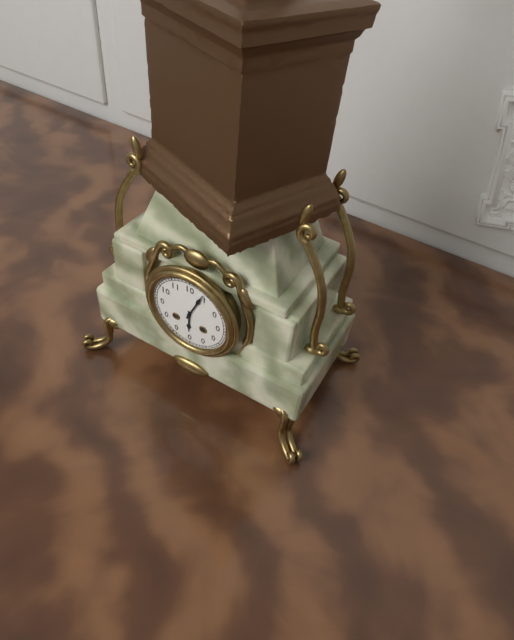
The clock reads **6:04**
